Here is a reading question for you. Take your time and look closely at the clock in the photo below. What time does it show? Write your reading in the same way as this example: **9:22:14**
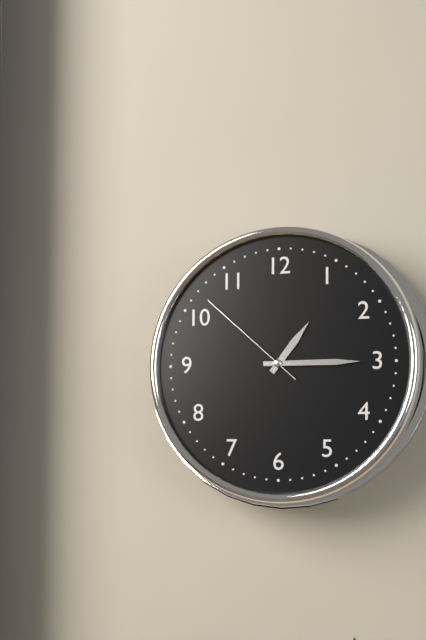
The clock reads **1:15:52**
